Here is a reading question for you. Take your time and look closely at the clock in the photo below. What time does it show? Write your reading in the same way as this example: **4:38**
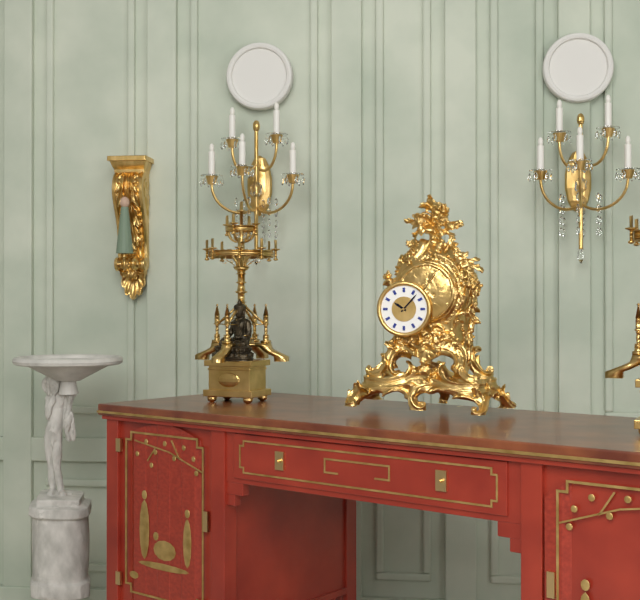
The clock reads **10:07**
